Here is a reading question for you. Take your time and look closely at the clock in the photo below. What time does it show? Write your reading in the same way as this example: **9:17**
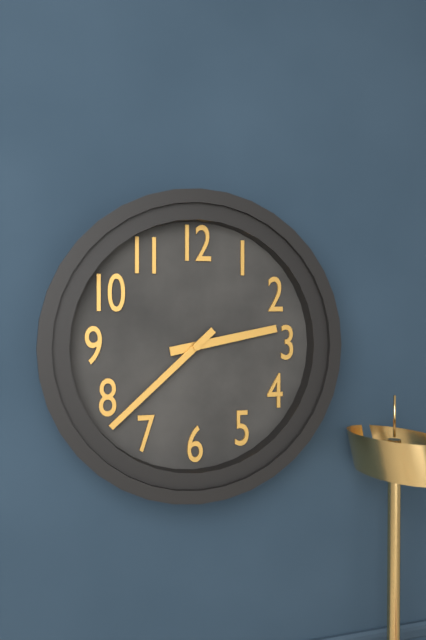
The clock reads **2:38**
